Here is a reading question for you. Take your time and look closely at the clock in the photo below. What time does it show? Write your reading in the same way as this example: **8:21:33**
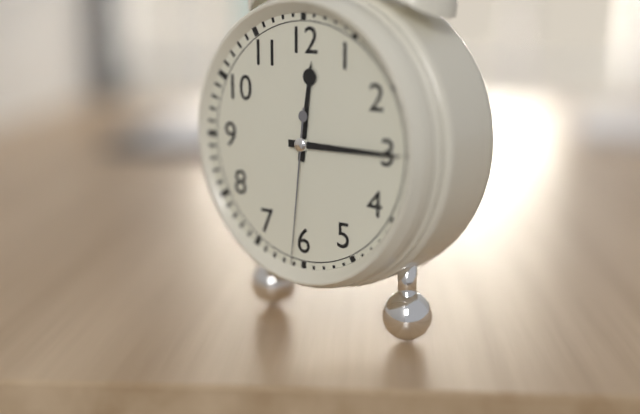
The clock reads **12:15:31**
